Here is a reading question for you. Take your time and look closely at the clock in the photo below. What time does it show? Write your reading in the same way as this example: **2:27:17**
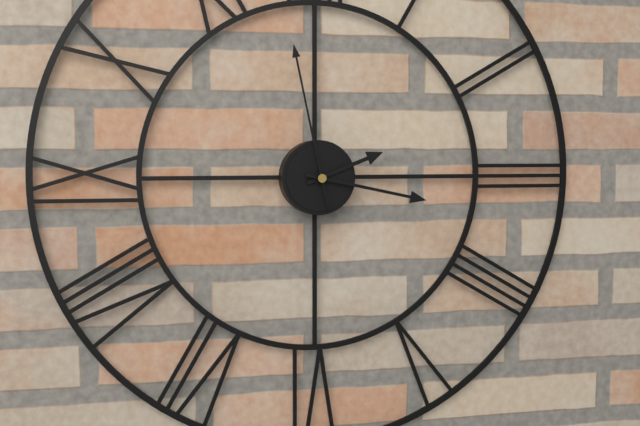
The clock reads **2:17:58**
